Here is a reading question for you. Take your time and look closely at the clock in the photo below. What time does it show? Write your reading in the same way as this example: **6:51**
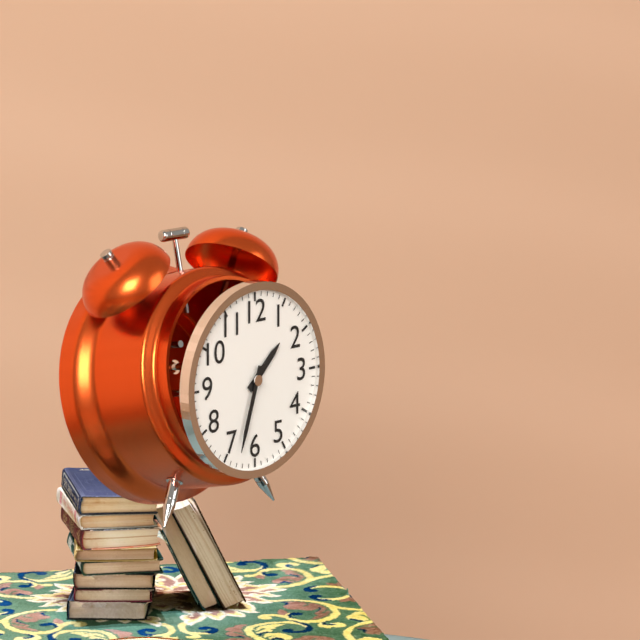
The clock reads **1:33**
